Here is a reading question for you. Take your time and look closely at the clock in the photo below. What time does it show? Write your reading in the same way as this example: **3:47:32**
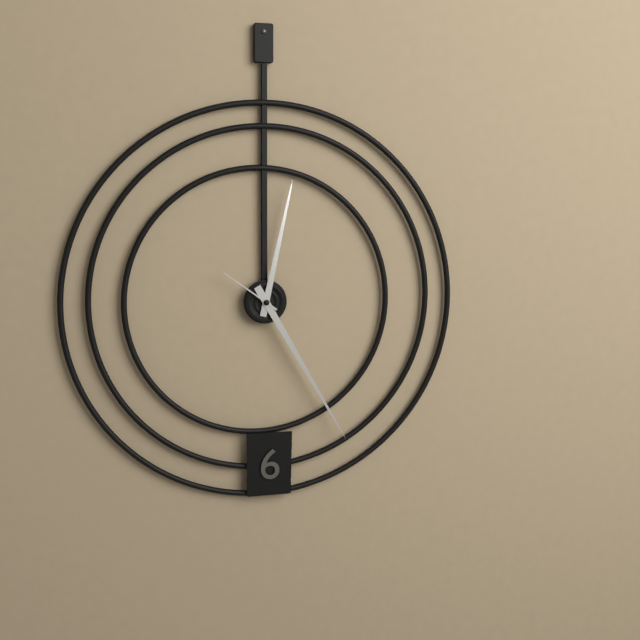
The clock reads **12:25:51**
